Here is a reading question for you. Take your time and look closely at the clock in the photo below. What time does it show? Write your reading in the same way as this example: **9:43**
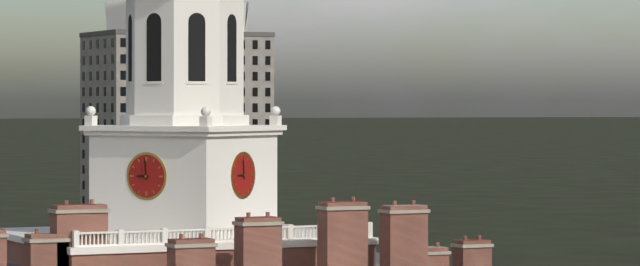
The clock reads **8:59**
